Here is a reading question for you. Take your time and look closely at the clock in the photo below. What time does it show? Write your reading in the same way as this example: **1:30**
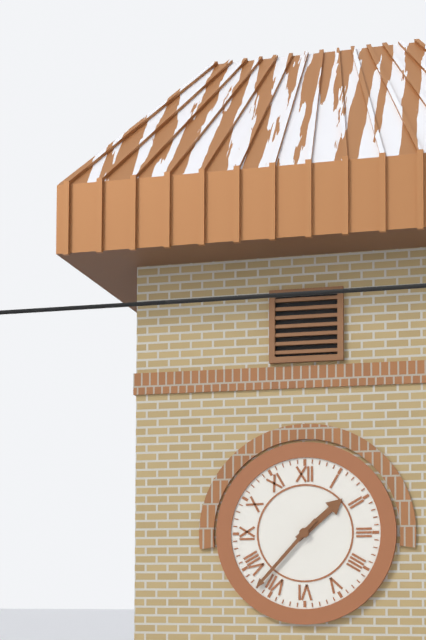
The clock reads **1:37**
